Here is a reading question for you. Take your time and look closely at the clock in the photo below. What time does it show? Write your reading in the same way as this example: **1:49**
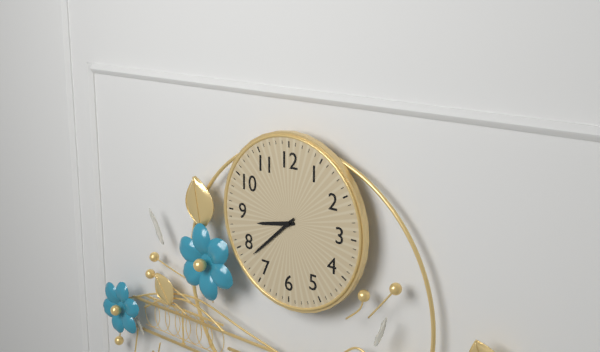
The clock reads **8:38**
